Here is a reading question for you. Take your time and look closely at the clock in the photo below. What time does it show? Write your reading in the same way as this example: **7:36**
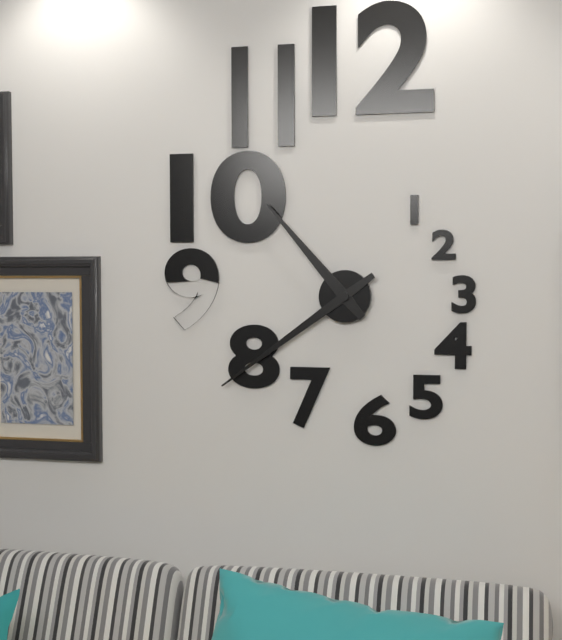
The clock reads **10:39**
